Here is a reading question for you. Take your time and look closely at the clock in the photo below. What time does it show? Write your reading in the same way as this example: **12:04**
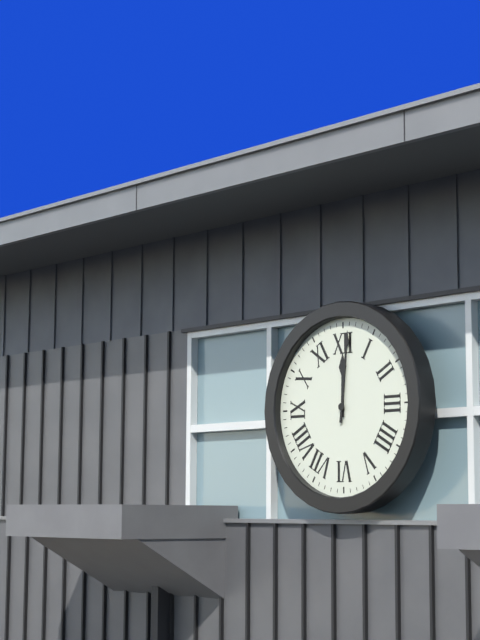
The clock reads **12:01**
